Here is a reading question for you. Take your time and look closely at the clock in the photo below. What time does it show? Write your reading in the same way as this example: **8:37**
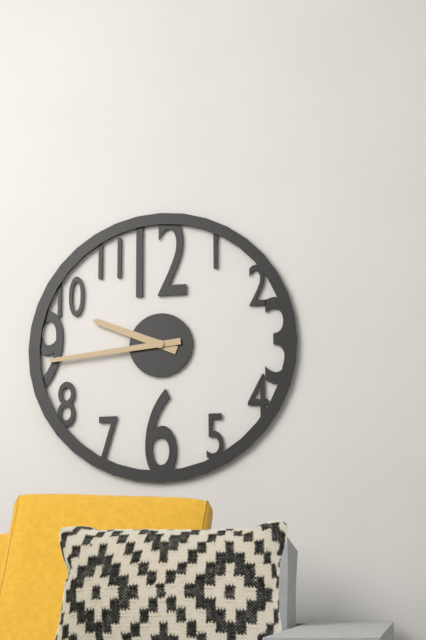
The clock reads **9:44**
